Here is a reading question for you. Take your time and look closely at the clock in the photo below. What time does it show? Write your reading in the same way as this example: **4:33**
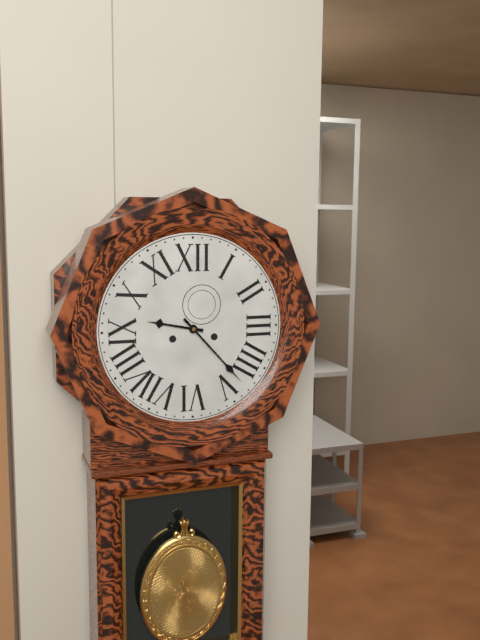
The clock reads **9:23**
